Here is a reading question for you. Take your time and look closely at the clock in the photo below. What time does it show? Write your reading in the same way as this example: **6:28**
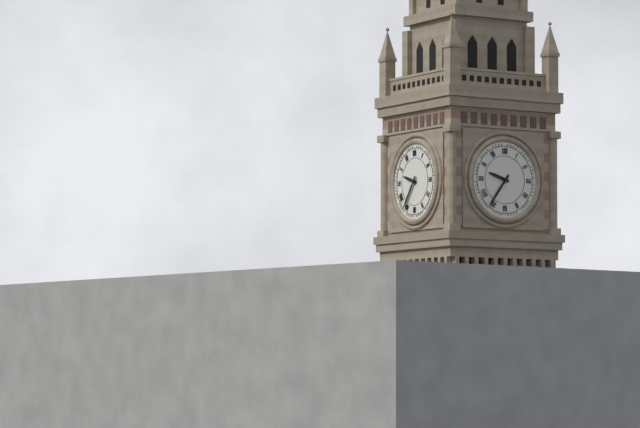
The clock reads **9:36**
